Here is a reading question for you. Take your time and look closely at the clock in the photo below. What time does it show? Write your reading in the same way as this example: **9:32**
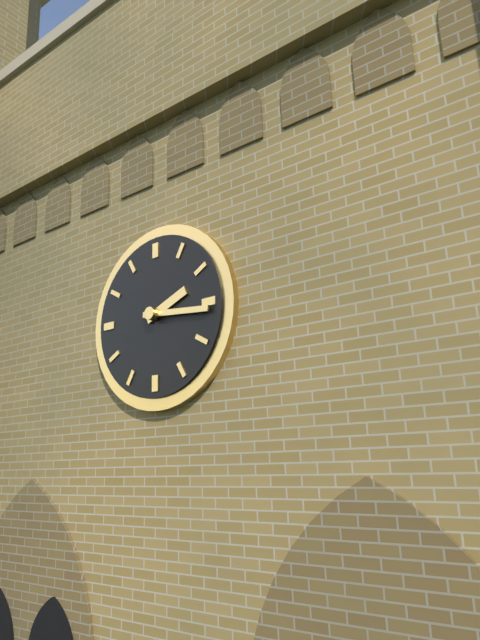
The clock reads **2:16**
